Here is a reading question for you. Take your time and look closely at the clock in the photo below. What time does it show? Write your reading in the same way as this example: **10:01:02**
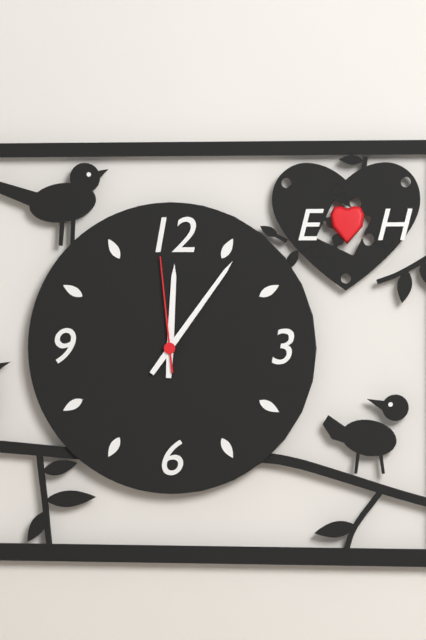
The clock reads **12:06:59**
